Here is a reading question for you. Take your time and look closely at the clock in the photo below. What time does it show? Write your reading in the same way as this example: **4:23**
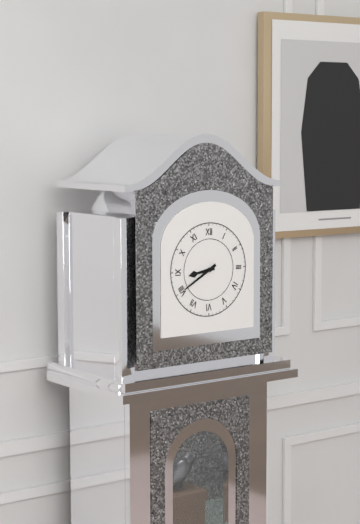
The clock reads **8:40**
